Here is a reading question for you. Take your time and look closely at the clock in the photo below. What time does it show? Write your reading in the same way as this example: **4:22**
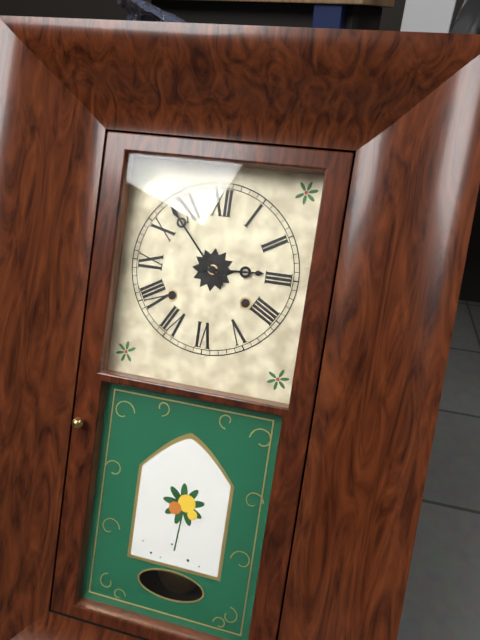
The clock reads **2:53**
